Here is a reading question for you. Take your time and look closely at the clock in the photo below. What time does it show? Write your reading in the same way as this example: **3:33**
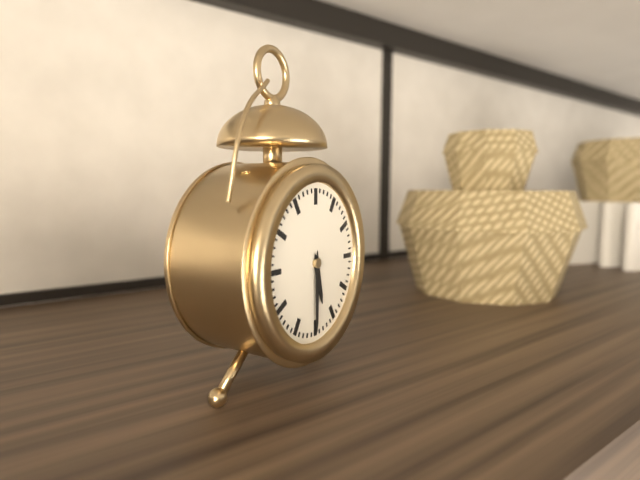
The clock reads **5:30**
